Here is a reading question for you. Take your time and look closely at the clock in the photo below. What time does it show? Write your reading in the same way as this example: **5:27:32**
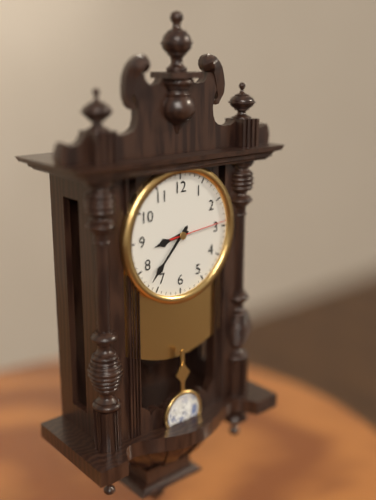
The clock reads **8:37:14**
